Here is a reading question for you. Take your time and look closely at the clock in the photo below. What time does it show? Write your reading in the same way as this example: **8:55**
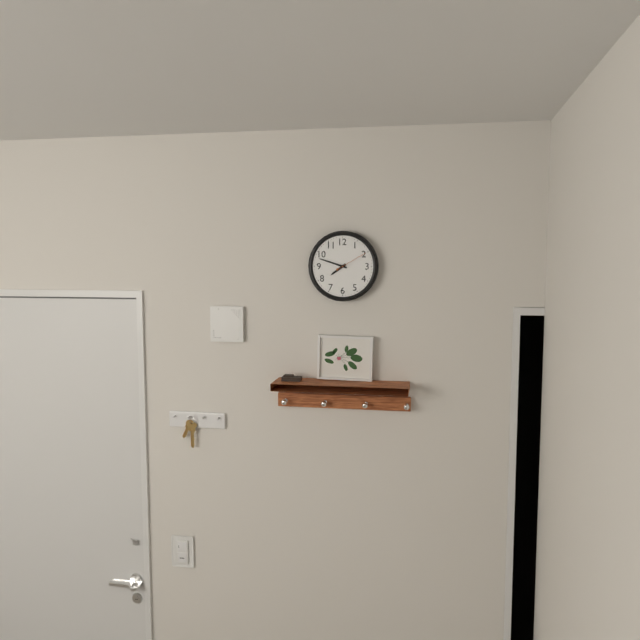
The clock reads **7:48**
